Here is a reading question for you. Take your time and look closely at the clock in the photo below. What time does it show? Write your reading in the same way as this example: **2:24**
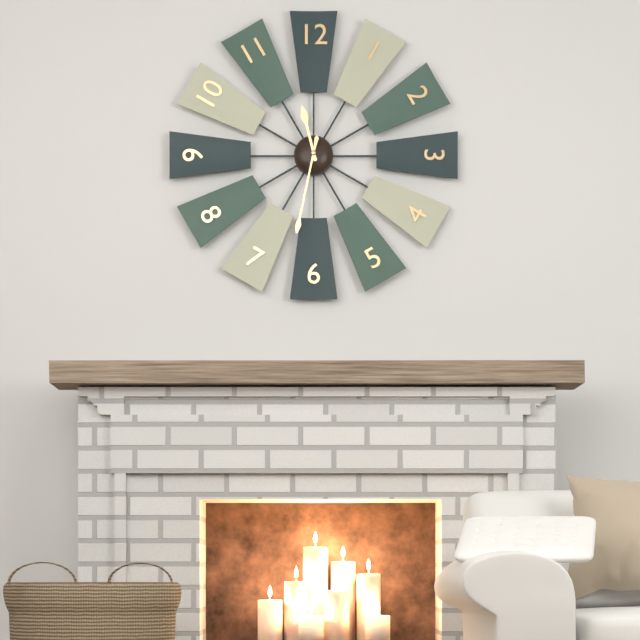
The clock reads **11:32**
